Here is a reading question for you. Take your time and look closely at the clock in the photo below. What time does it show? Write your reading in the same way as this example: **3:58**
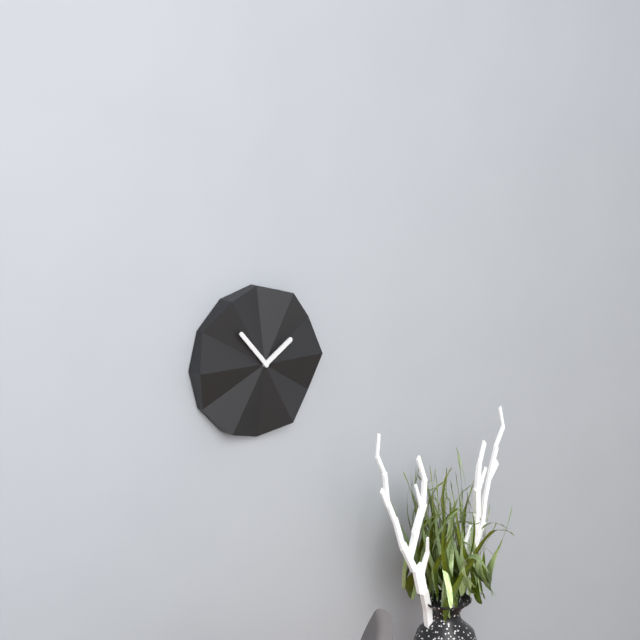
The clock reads **1:53**
